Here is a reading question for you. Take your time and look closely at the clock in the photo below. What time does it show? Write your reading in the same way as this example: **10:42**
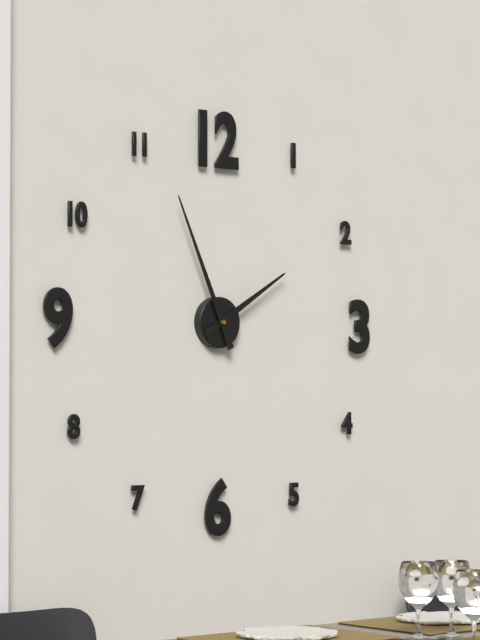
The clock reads **1:56**
